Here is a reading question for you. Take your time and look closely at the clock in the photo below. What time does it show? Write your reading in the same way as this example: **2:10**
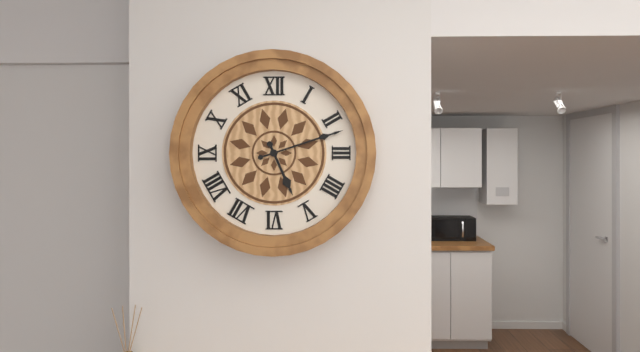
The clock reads **5:12**
